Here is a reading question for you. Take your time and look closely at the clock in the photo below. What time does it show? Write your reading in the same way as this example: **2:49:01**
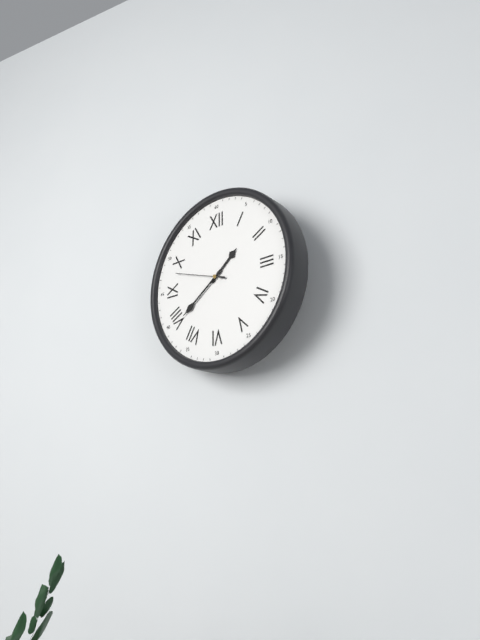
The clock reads **1:39:48**
